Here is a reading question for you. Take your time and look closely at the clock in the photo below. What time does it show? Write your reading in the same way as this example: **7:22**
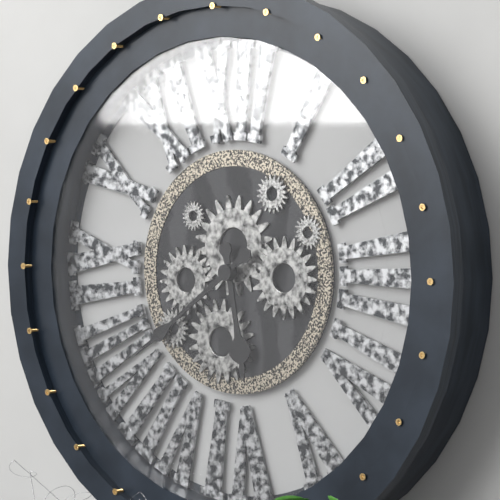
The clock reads **5:39**
